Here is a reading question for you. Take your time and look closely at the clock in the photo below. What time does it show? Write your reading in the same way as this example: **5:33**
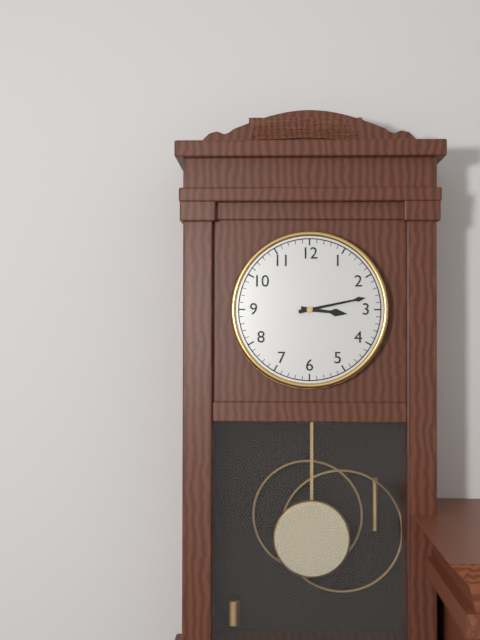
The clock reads **3:13**
